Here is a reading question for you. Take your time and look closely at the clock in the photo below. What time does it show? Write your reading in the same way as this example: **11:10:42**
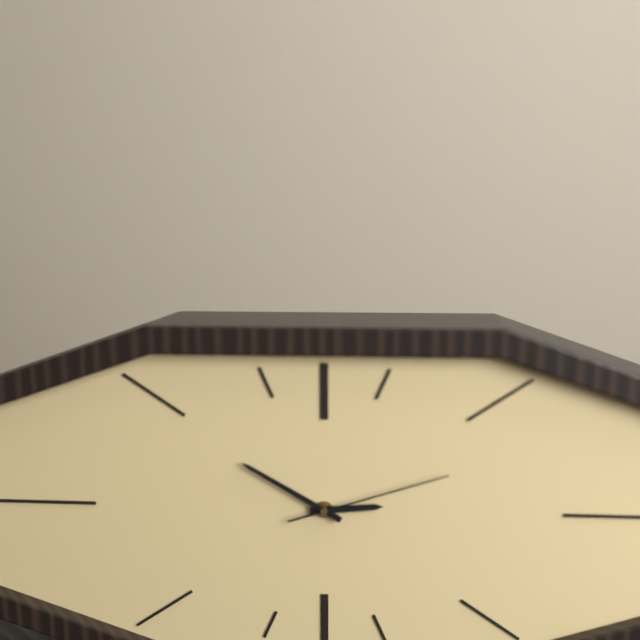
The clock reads **2:50:12**
